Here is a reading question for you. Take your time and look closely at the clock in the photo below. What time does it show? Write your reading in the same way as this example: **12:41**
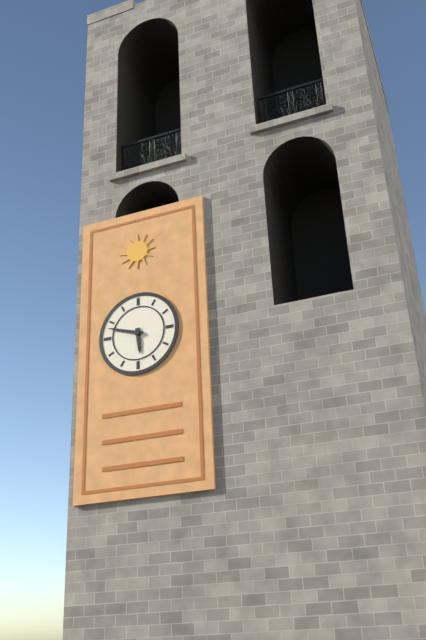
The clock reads **5:48**
